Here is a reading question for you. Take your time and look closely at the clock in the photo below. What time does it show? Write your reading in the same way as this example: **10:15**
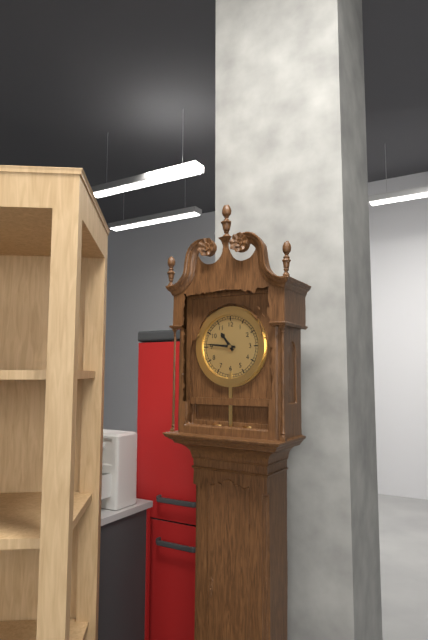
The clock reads **10:46**
